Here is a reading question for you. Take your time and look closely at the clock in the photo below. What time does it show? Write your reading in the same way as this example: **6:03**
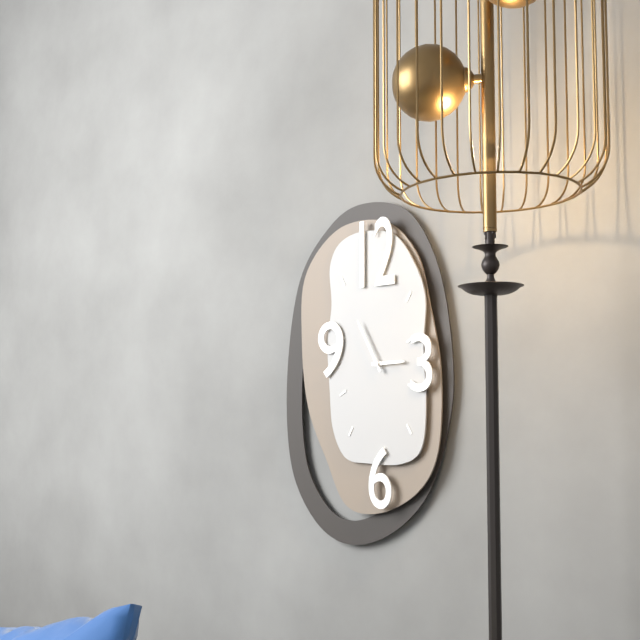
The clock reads **2:55**
